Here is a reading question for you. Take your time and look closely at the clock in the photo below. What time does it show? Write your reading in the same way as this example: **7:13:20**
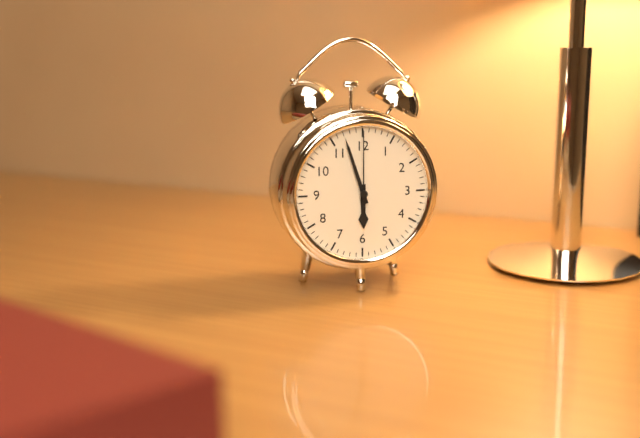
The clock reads **5:57:00**
